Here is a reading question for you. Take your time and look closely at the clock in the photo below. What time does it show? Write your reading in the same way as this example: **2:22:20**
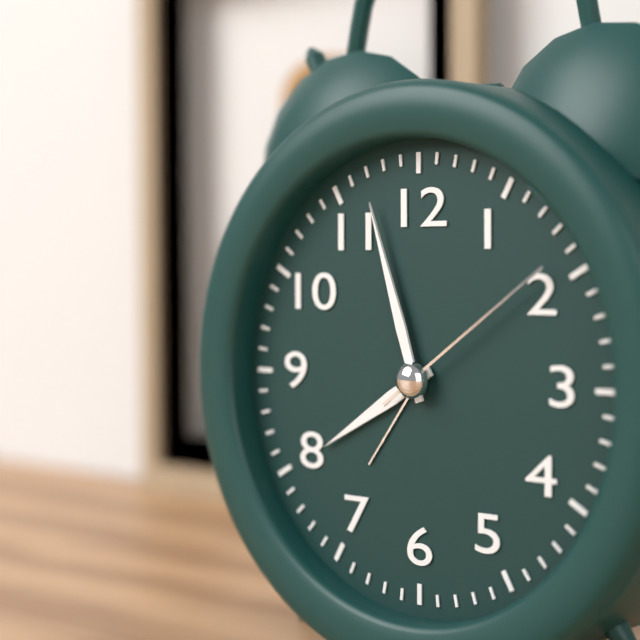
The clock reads **7:57:09**
